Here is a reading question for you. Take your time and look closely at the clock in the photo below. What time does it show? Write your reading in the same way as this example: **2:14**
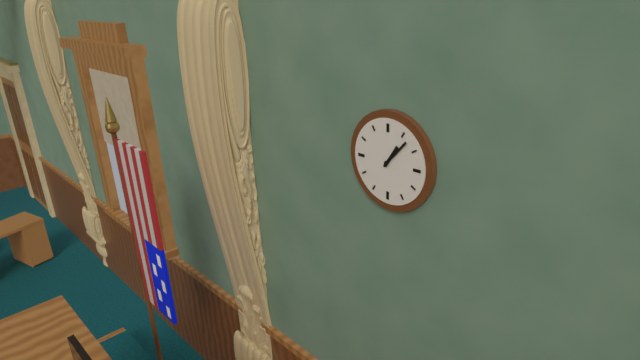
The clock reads **1:07**
